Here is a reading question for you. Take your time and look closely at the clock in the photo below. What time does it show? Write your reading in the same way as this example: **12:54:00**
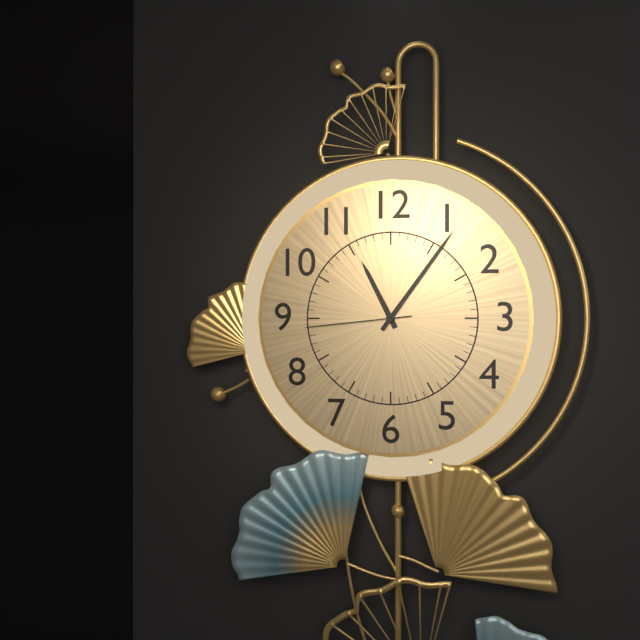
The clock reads **11:06:44**
